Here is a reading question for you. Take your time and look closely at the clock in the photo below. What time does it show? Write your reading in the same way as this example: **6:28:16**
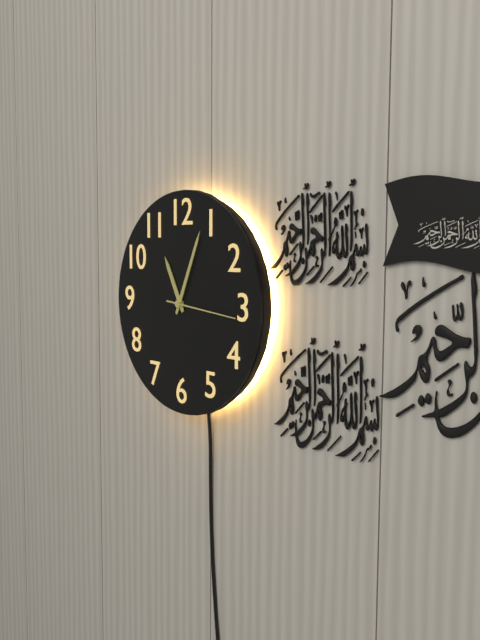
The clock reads **11:04:16**
